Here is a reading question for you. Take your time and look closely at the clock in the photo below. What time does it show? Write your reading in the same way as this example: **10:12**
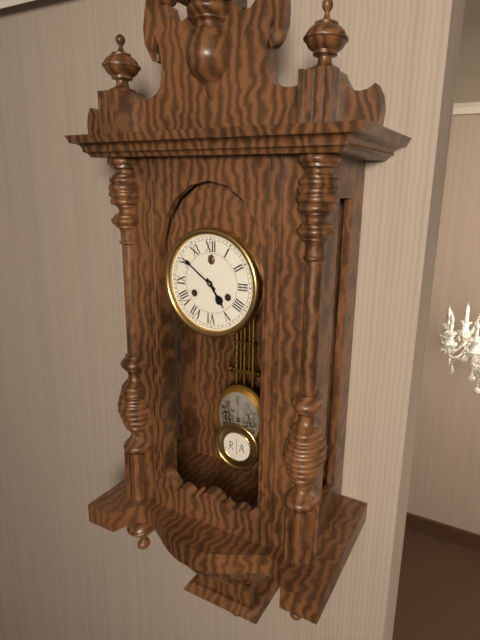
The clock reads **4:51**
